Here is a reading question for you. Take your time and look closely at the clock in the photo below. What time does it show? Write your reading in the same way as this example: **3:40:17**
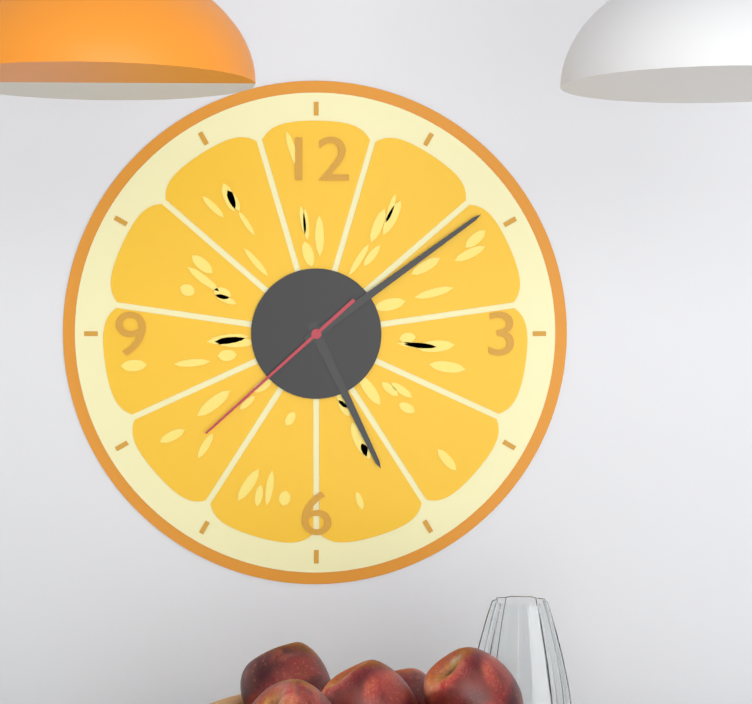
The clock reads **5:09:38**
